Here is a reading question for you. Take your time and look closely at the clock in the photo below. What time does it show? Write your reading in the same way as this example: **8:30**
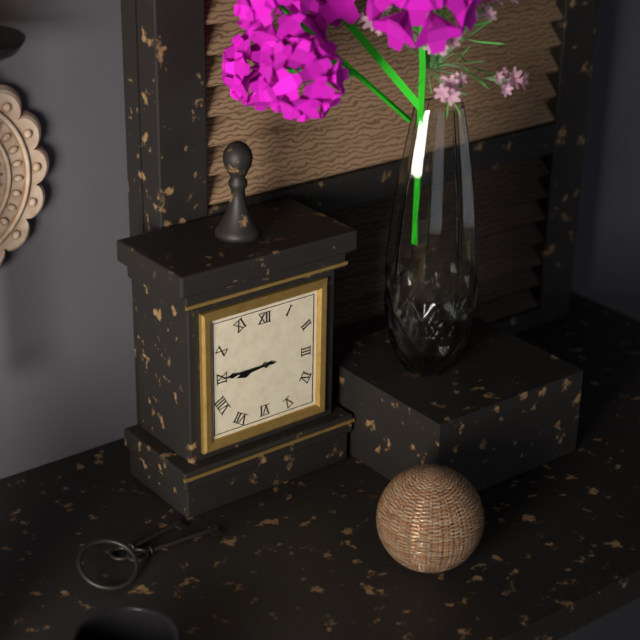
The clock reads **8:45**
